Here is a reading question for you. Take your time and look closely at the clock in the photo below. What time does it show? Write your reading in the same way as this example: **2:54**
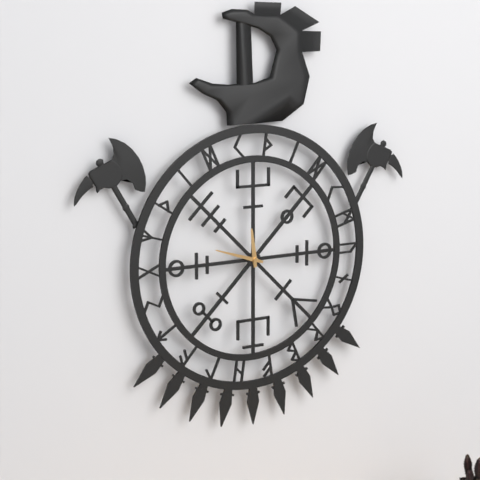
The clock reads **11:48**
